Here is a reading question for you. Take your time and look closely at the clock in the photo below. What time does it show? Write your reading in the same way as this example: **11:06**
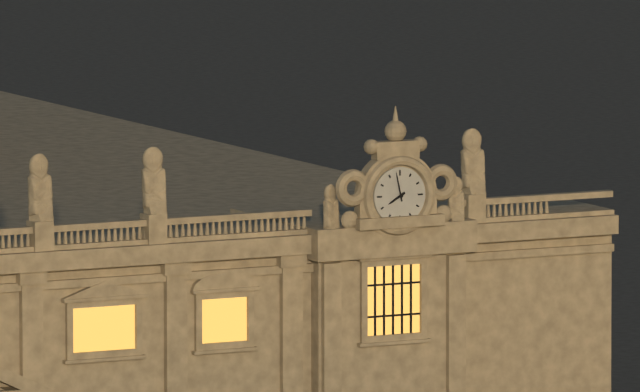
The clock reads **7:58**
